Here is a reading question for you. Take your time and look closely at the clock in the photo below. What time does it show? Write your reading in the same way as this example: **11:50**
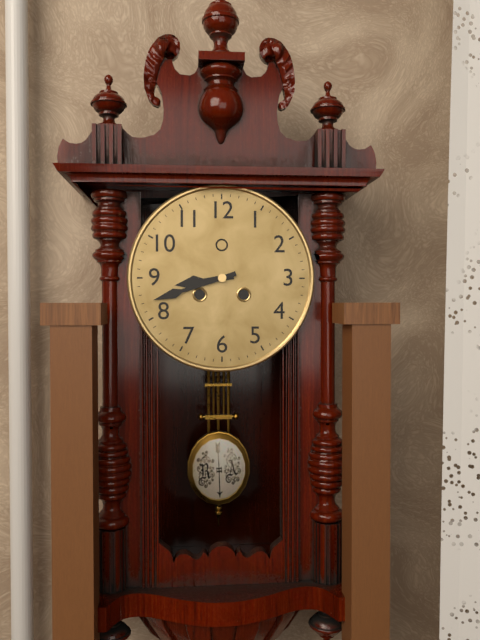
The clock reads **8:42**
